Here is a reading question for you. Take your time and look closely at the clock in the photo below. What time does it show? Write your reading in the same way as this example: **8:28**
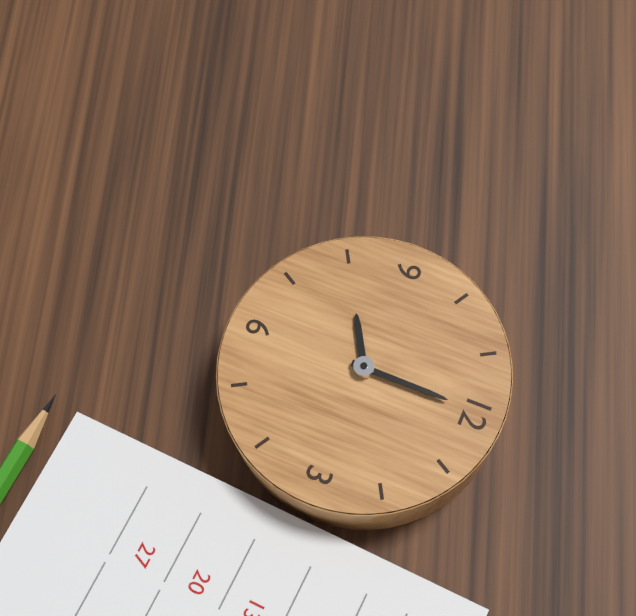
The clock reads **8:00**
